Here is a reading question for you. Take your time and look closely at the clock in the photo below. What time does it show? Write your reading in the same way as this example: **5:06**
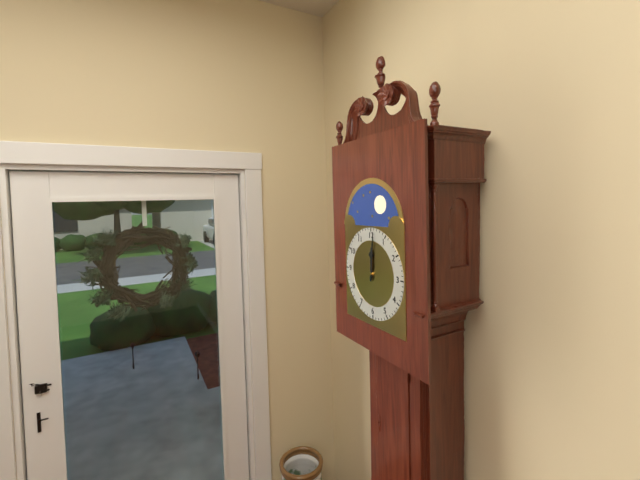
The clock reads **12:01**
